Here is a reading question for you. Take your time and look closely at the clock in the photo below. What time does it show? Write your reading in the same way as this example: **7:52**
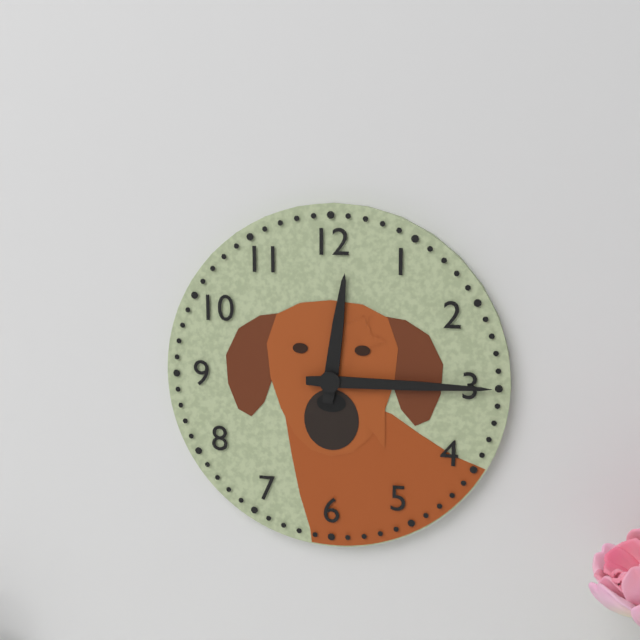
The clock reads **12:15**
